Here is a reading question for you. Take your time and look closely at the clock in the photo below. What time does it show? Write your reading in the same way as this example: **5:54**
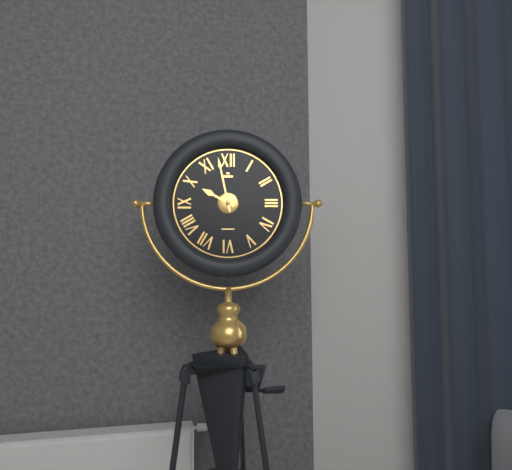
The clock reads **9:58**
